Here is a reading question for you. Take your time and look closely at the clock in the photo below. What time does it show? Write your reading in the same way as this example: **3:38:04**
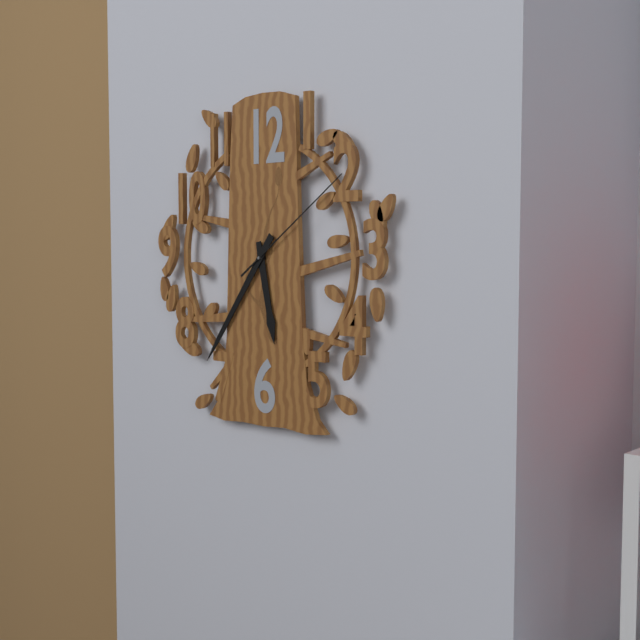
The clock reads **5:36:09**
